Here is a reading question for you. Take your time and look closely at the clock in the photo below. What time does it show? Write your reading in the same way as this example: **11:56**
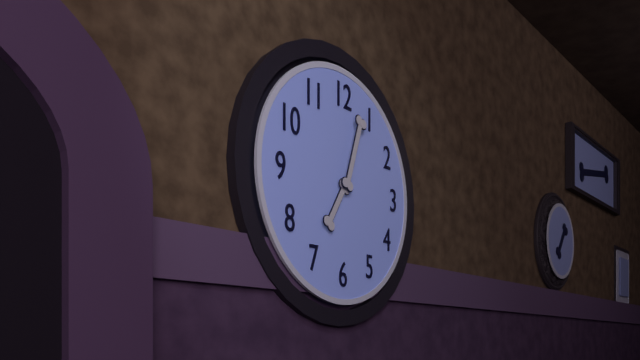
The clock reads **7:03**
